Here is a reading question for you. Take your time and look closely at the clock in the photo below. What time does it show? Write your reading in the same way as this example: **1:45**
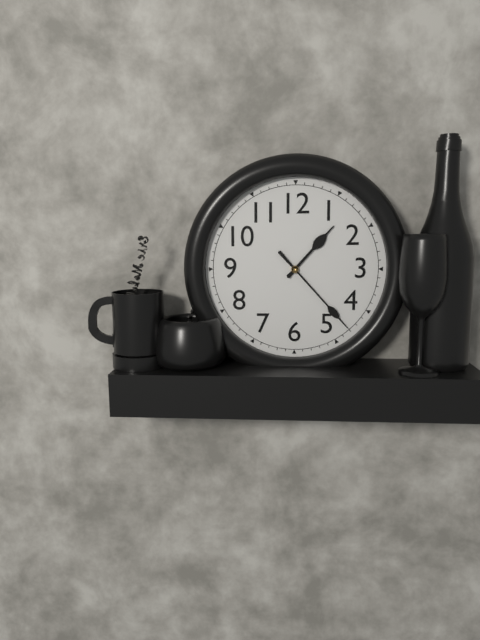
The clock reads **1:23**
